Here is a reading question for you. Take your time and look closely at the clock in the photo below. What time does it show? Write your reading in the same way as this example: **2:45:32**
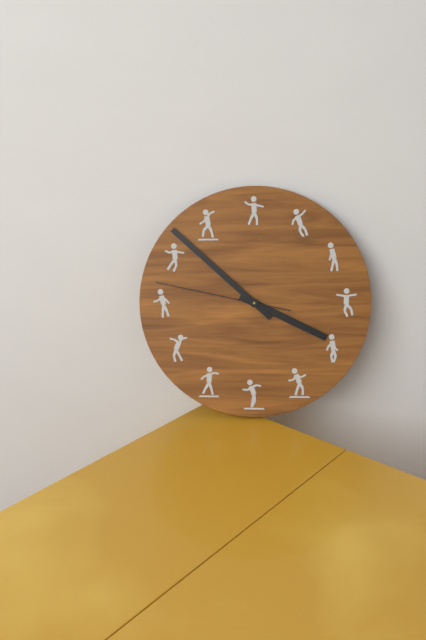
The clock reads **3:52:47**
